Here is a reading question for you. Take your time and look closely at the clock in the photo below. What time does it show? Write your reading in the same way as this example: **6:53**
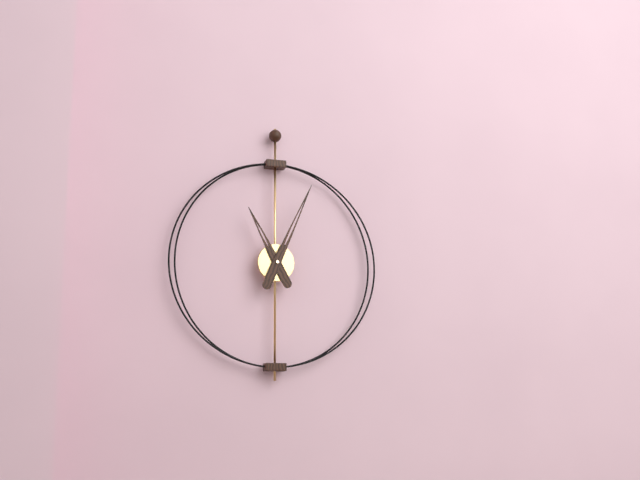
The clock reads **11:04**
